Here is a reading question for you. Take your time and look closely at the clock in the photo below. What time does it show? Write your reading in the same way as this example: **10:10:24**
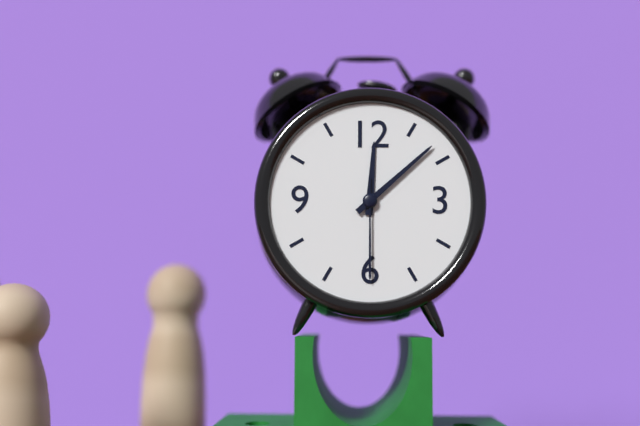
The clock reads **12:08:30**
